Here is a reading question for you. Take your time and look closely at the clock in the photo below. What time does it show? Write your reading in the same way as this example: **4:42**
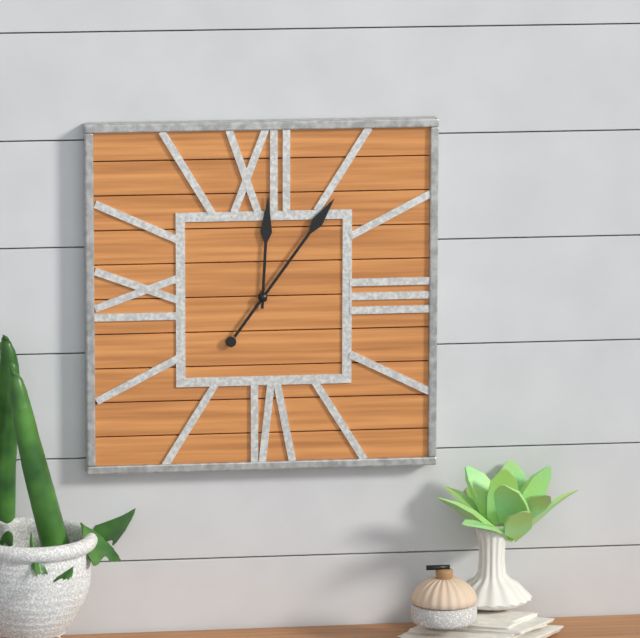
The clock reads **12:06**
